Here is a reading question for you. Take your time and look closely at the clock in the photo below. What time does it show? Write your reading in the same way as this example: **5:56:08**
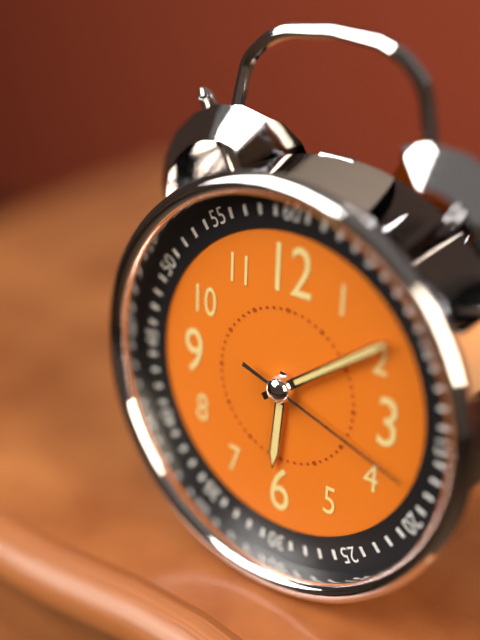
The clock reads **6:09:18**
